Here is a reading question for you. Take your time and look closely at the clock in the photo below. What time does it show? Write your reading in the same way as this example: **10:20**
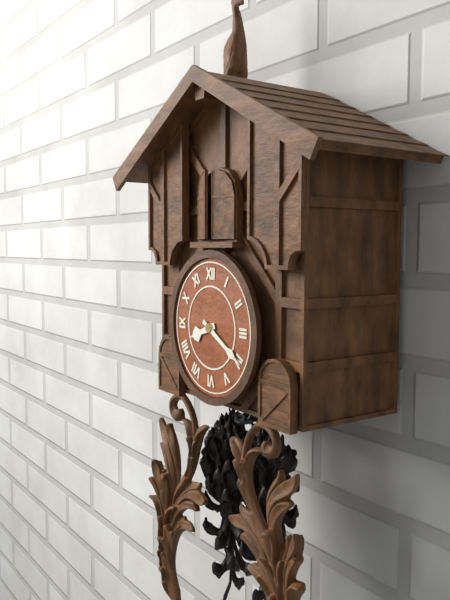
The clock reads **8:20**
